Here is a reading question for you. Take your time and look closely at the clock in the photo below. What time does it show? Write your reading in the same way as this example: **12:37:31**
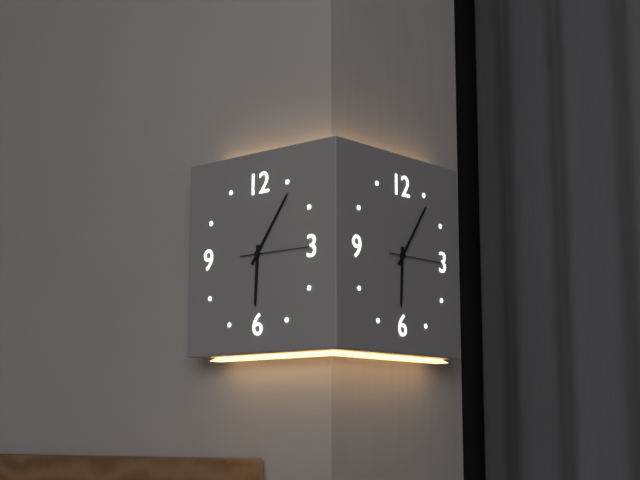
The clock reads **6:06:15**
